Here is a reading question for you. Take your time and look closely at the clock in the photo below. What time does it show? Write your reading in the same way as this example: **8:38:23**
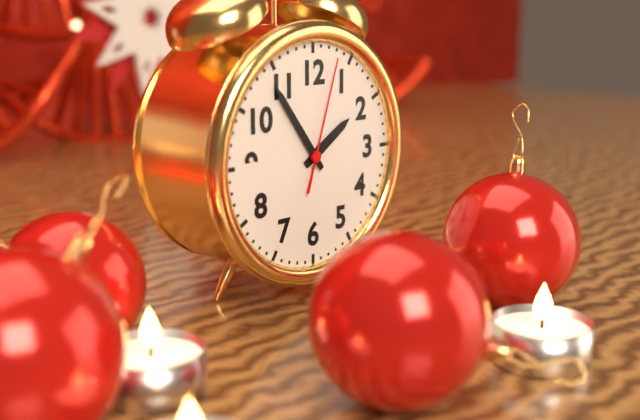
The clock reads **1:54:03**
